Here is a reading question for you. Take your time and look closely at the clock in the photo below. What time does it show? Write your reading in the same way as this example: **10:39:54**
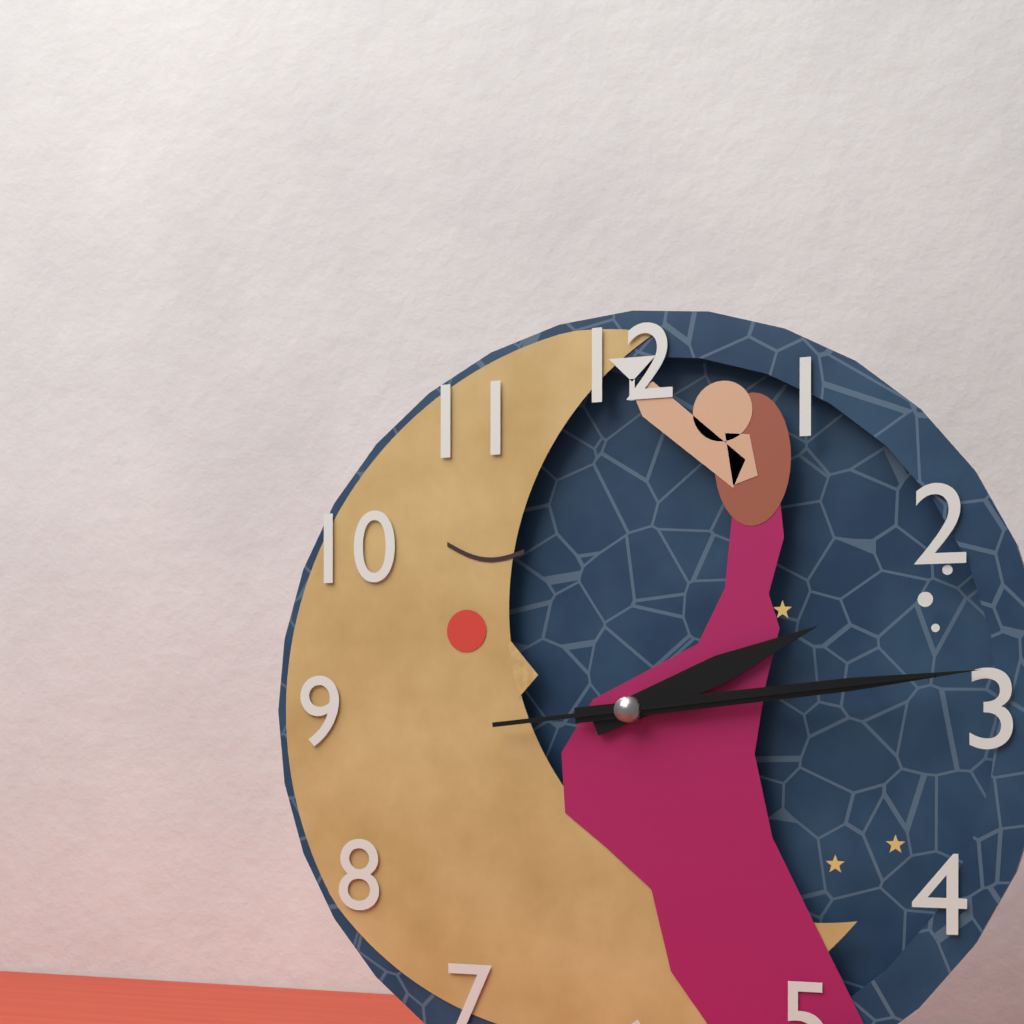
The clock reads **2:14:14**
